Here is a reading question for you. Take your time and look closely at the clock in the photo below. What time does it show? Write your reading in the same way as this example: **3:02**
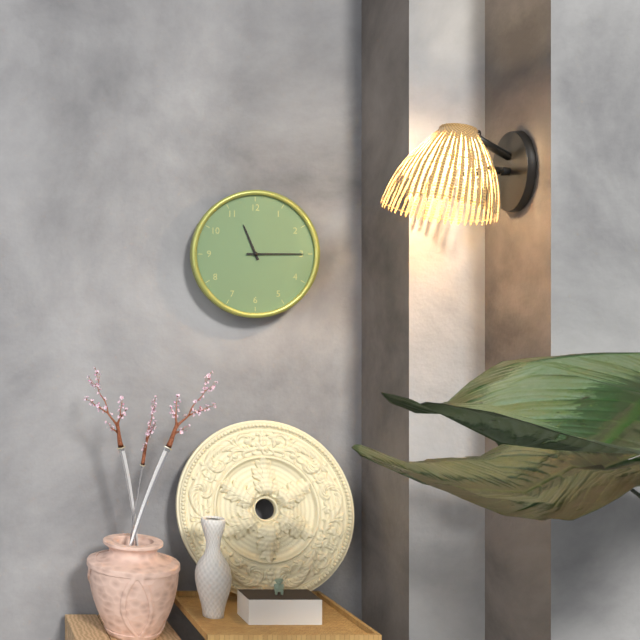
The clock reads **11:15**
